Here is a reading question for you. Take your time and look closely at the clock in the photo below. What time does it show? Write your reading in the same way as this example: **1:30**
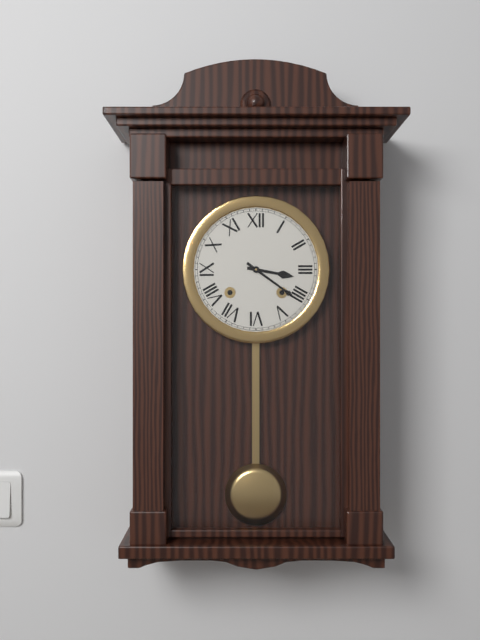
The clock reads **3:21**
